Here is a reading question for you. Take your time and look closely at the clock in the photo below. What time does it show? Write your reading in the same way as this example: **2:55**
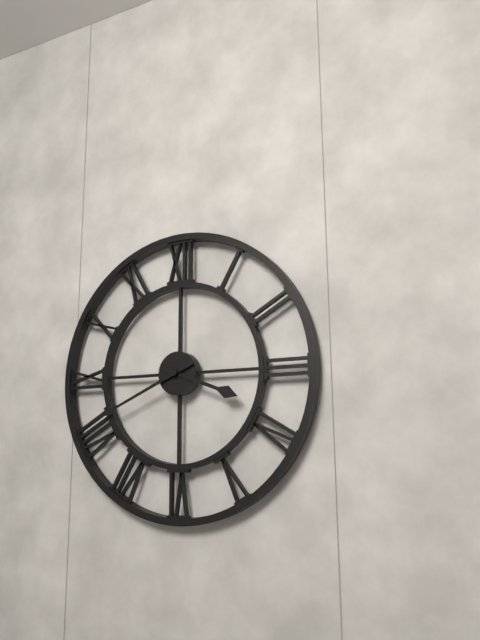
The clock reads **3:41**
